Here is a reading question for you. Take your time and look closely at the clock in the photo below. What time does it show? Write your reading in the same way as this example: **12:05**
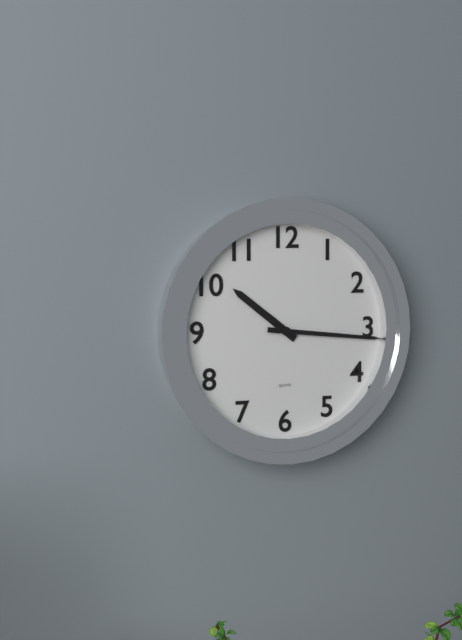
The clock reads **10:16**
